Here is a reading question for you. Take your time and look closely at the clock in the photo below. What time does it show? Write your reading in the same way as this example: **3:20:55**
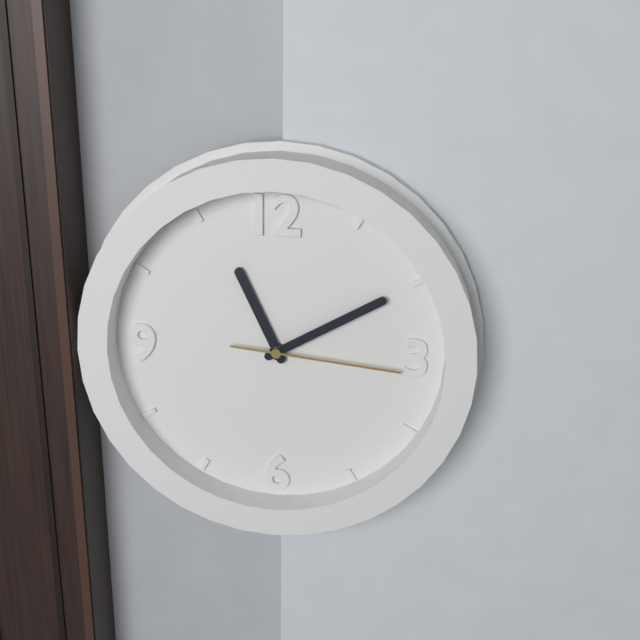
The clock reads **11:10:16**
